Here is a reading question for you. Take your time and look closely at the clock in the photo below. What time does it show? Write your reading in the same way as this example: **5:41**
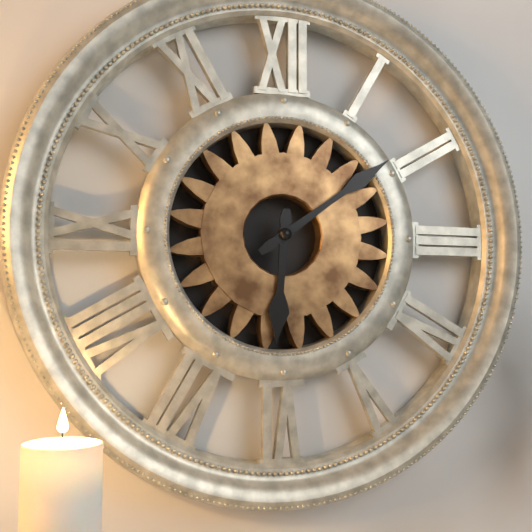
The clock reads **6:09**
